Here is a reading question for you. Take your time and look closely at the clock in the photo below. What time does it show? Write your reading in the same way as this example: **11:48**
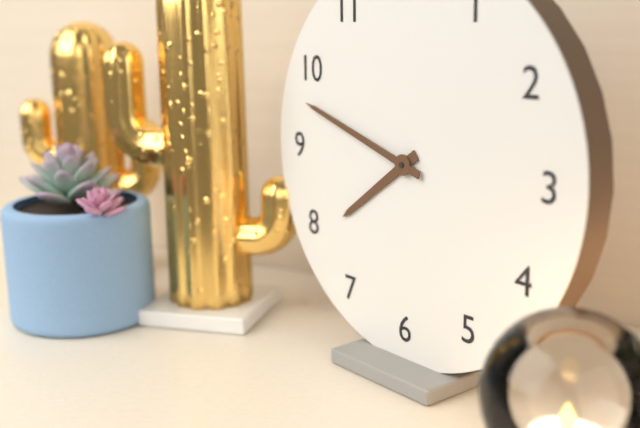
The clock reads **7:48**
